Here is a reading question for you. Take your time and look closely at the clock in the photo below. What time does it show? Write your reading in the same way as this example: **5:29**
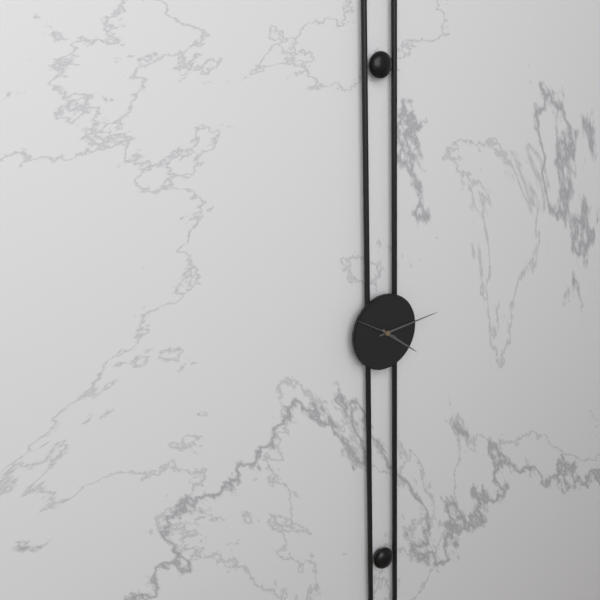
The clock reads **4:14**
